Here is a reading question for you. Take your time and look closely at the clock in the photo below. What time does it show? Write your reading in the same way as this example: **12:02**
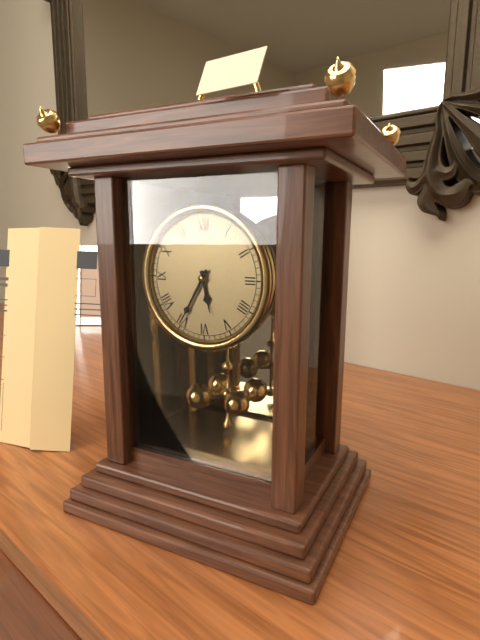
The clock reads **5:35**
